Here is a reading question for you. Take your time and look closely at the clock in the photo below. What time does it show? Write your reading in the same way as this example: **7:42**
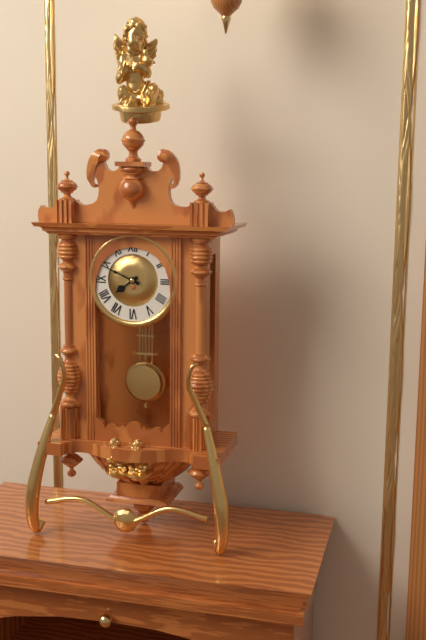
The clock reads **7:49**
